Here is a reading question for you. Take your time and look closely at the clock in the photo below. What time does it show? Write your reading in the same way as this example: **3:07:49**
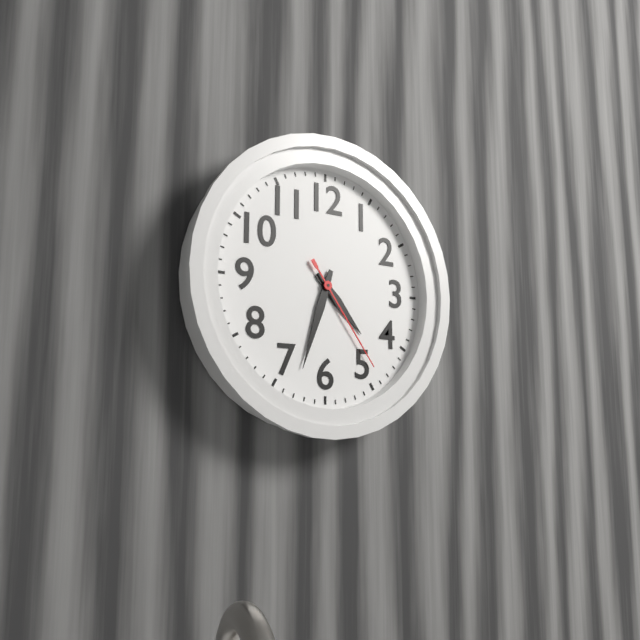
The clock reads **4:33:24**
